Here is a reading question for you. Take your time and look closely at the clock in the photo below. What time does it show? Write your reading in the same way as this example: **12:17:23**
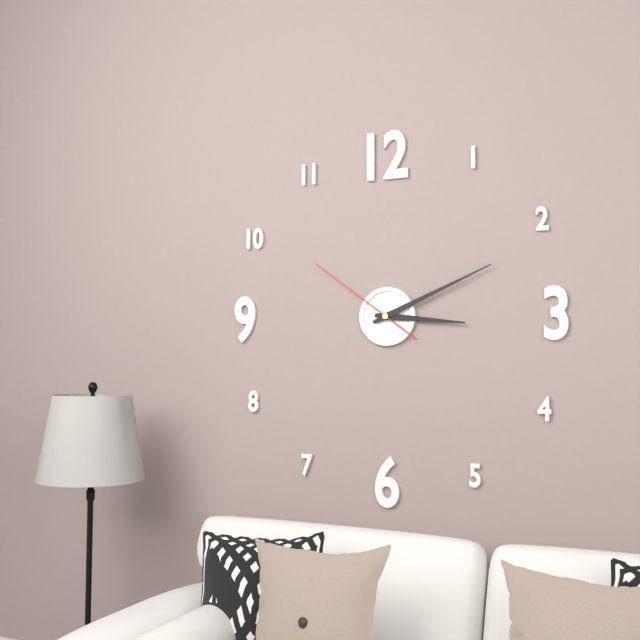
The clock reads **3:11:51**
